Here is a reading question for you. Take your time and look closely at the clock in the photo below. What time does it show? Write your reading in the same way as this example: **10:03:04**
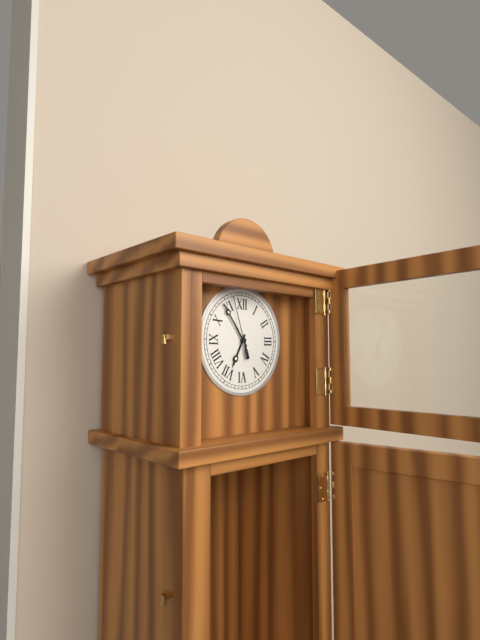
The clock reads **6:54:57**
